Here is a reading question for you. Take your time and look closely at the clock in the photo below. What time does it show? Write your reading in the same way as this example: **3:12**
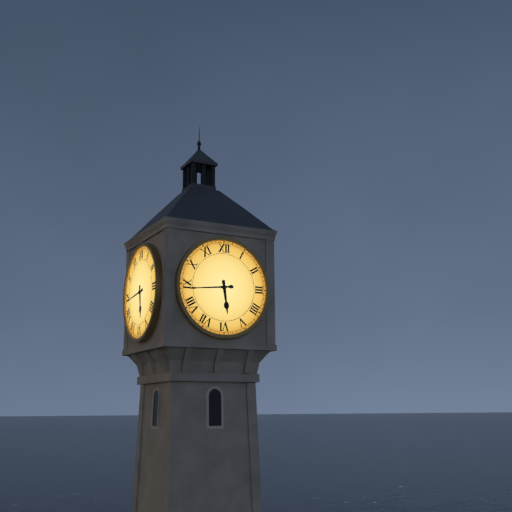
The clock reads **5:44**
